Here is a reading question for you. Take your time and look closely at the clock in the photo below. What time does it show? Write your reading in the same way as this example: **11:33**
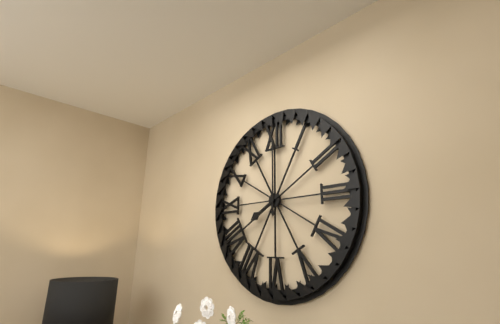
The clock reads **8:00**
